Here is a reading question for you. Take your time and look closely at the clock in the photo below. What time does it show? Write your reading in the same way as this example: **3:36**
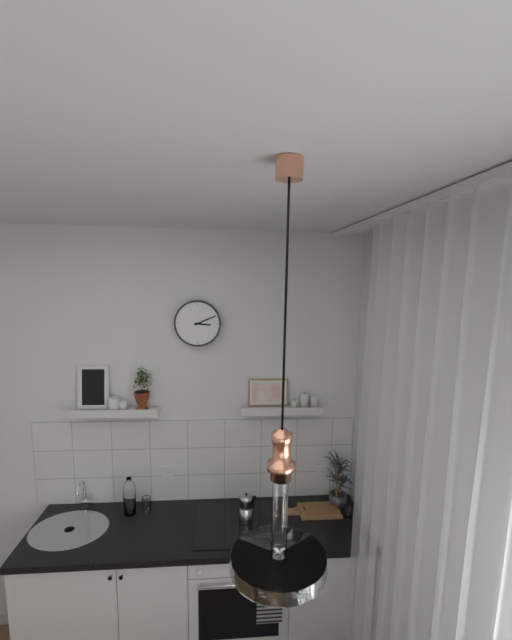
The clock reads **3:11**
